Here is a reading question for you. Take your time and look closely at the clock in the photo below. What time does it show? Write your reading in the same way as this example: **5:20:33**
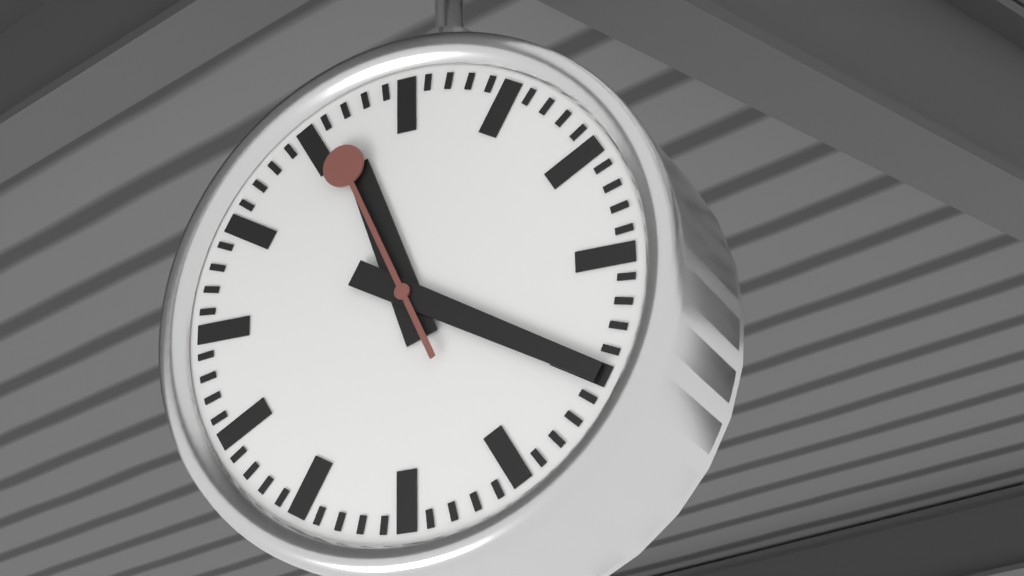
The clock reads **11:20:56**
